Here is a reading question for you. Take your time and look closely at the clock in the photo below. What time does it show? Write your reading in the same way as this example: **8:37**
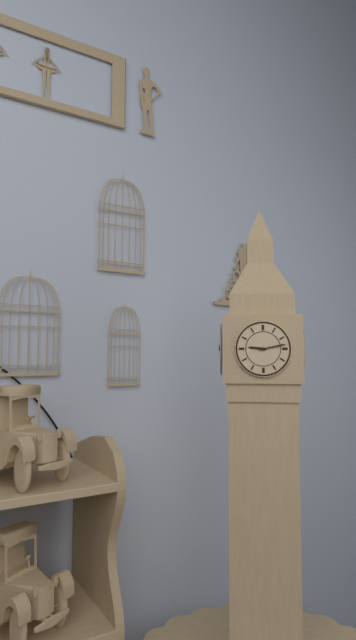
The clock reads **9:13**
